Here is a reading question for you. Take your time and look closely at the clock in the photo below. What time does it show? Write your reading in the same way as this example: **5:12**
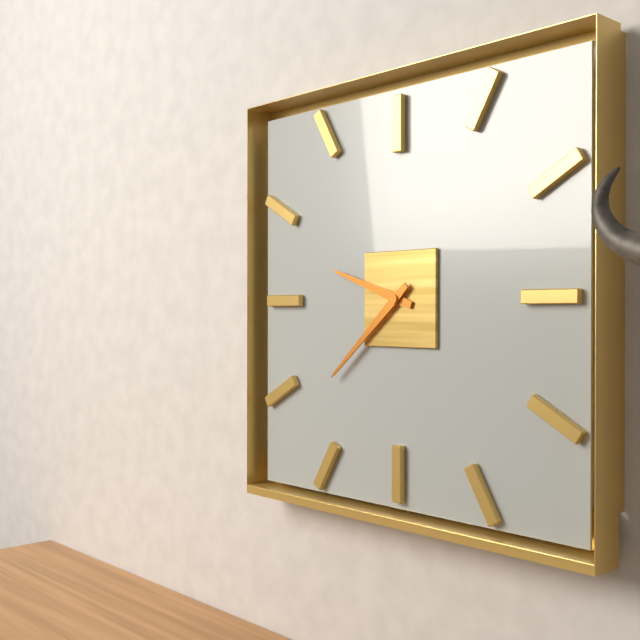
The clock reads **9:38**
